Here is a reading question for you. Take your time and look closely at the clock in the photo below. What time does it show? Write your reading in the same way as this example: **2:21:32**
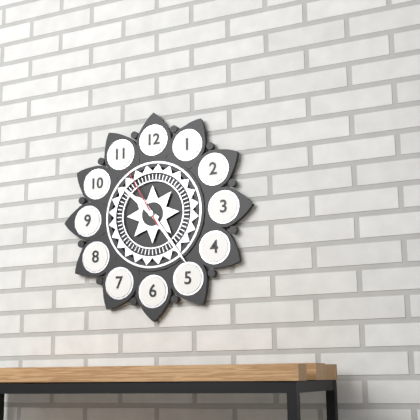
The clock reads **10:24:55**
